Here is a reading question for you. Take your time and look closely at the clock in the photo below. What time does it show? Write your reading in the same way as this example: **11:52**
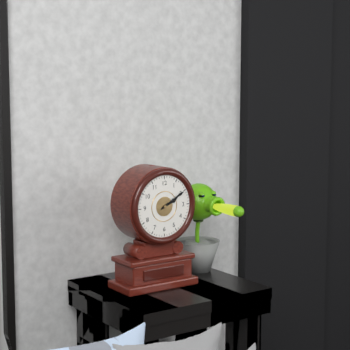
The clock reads **2:10**
